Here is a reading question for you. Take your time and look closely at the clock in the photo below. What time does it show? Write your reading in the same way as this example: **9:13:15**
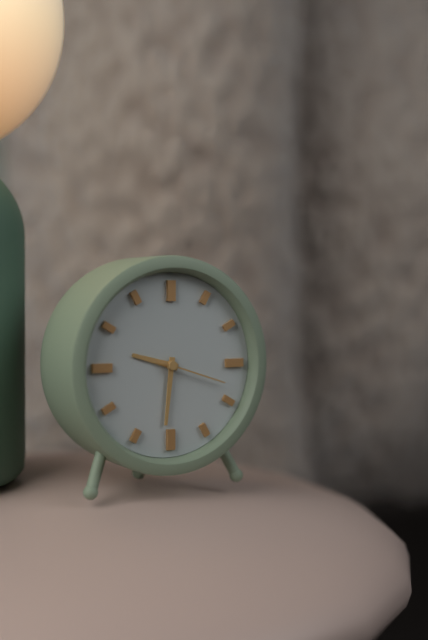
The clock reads **9:31:18**
